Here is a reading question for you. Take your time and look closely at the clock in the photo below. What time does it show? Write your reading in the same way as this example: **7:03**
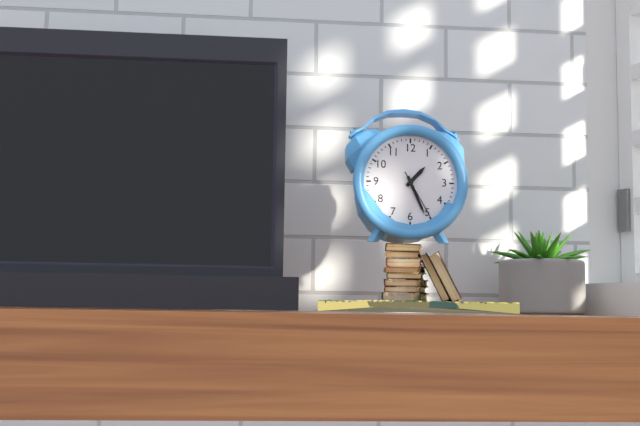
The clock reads **1:26**
